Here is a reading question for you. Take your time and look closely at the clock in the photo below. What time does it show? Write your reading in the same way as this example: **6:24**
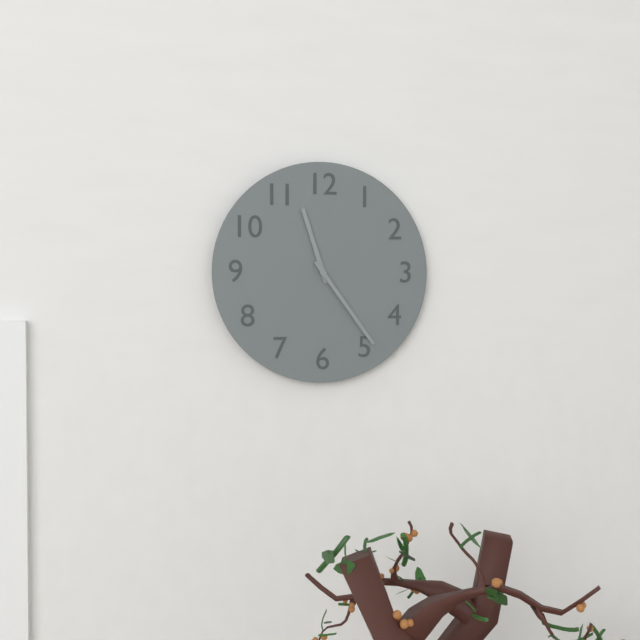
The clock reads **11:24**
